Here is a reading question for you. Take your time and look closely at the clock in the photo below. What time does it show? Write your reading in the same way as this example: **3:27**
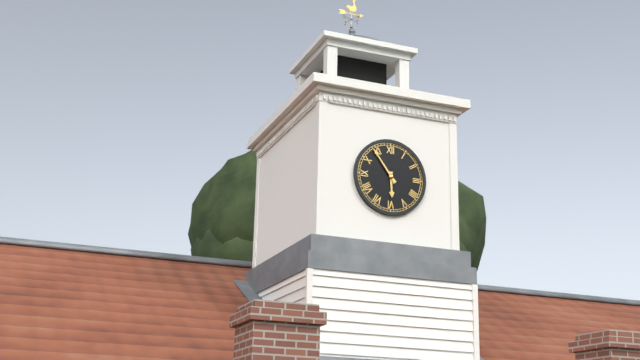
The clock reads **5:54**
